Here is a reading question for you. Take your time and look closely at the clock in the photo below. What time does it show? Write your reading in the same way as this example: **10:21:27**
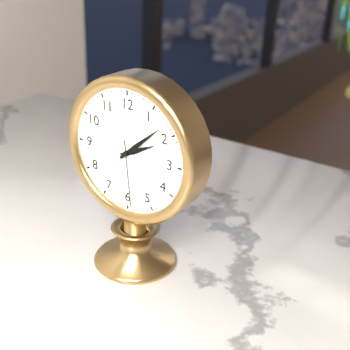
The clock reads **2:08:29**
